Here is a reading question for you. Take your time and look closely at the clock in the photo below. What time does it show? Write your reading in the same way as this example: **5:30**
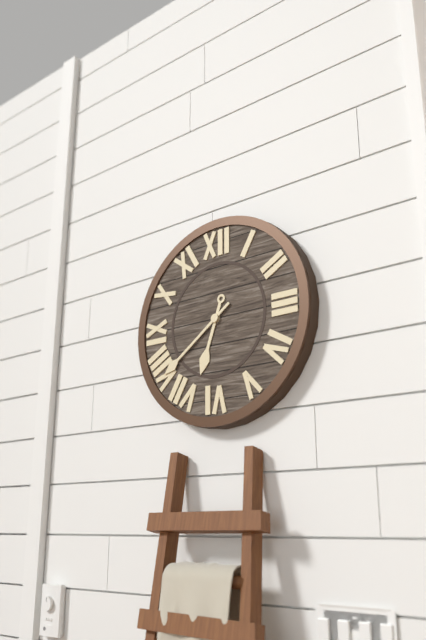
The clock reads **6:39**
